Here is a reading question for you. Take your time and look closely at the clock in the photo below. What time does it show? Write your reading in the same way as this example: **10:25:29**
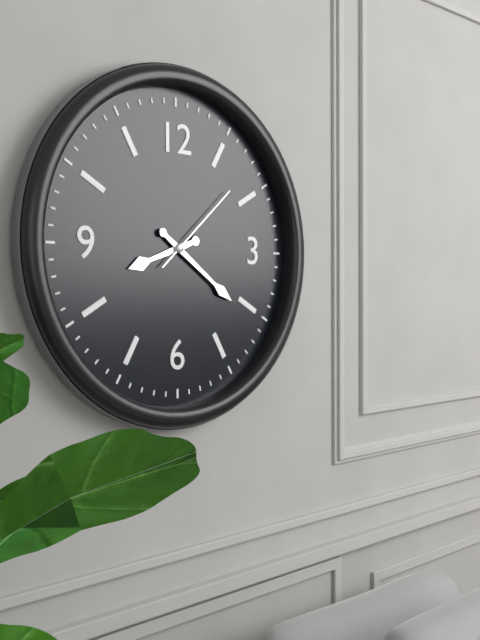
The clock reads **8:21:08**
